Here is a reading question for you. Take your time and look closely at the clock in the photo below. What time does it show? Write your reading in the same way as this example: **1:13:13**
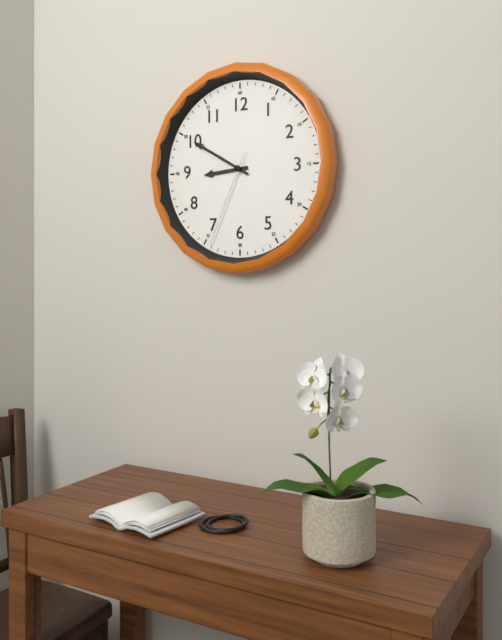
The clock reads **8:50:34**
